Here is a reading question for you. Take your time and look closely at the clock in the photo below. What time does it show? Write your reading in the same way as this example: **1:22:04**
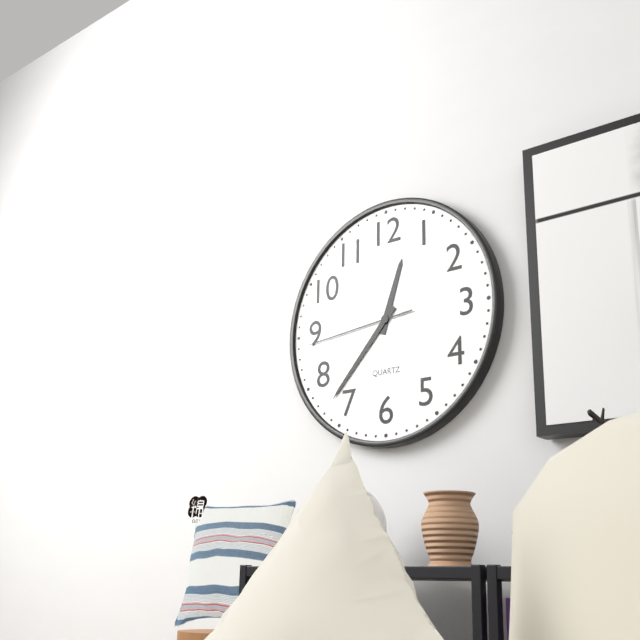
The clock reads **12:37:44**
